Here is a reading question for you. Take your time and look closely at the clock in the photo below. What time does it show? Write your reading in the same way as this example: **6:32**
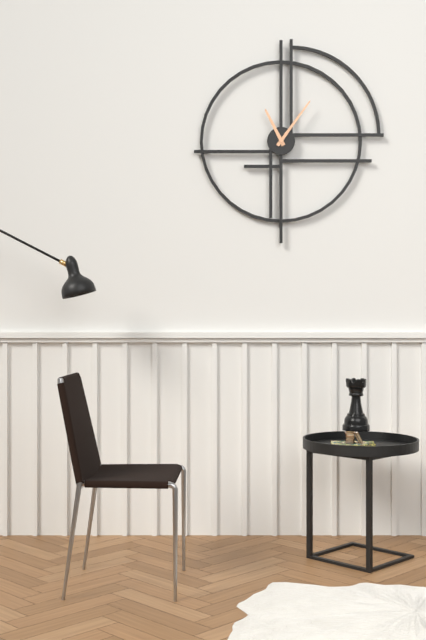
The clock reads **11:06**
